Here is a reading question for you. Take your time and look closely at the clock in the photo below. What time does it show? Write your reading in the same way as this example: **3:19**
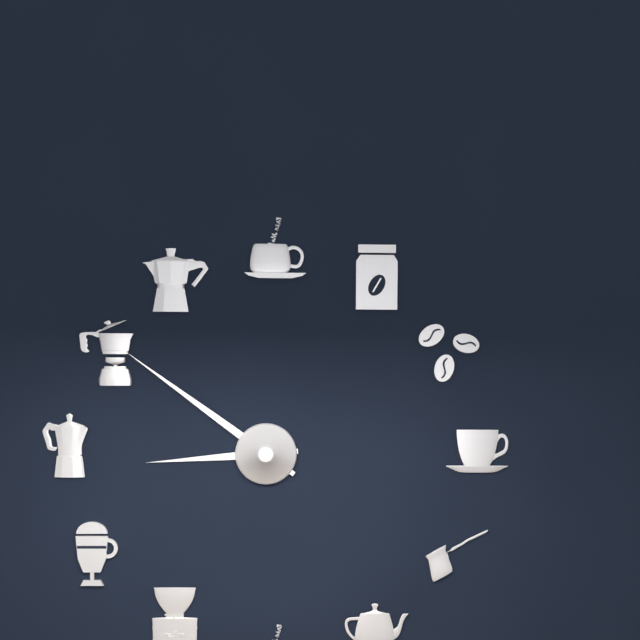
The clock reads **8:51**
